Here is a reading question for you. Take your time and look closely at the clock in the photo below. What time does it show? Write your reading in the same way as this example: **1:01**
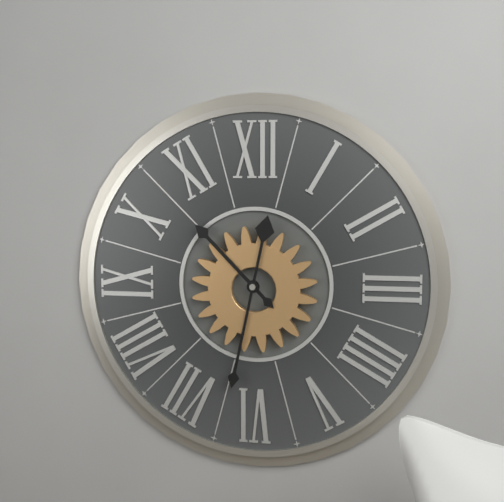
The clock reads **10:32**
